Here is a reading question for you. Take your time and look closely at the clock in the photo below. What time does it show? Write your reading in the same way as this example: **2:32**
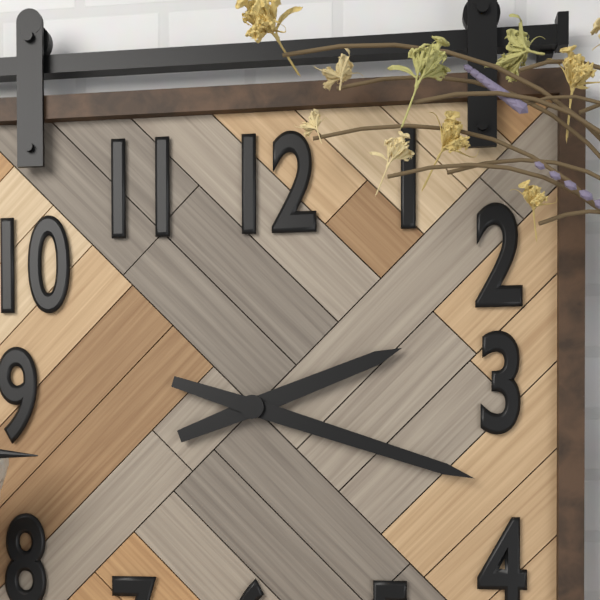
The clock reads **2:18**
